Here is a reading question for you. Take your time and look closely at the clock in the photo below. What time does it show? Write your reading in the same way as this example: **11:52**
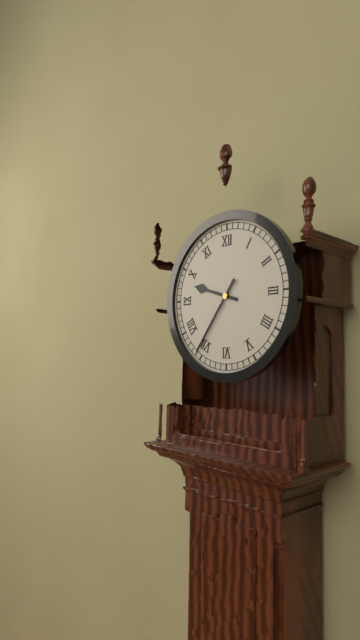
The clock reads **9:36**
